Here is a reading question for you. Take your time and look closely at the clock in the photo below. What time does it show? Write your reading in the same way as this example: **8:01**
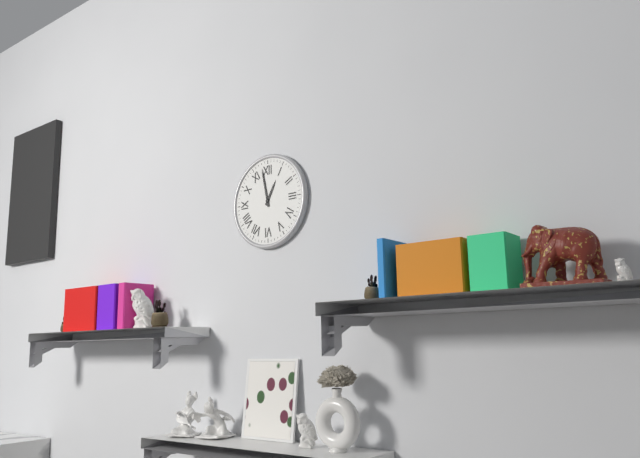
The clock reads **12:58**
